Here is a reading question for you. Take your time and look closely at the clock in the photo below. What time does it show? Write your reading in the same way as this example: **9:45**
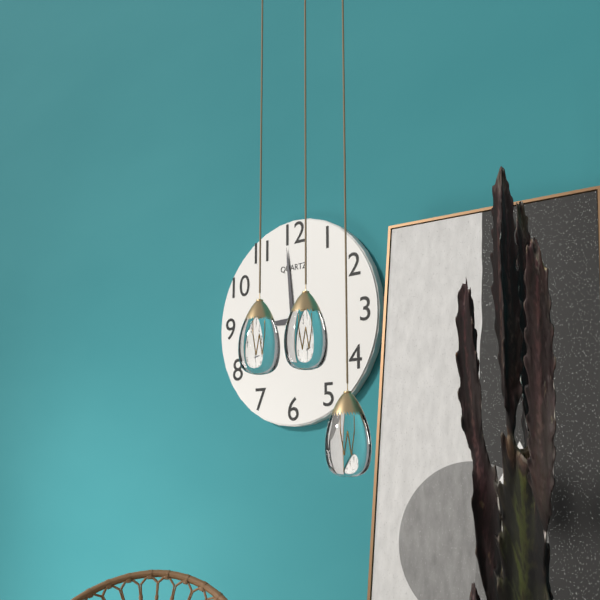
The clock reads **8:59**
